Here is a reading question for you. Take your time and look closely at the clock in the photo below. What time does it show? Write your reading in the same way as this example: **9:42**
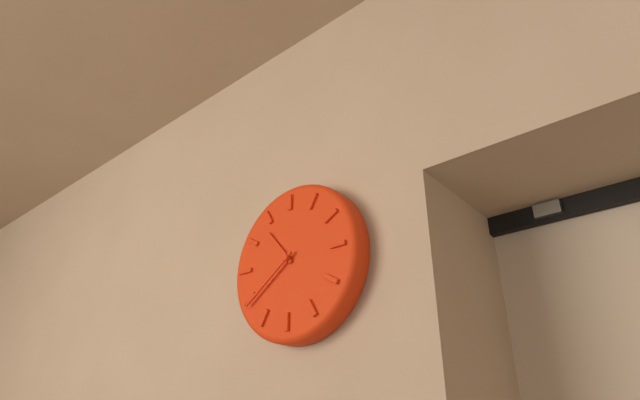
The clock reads **10:39**
